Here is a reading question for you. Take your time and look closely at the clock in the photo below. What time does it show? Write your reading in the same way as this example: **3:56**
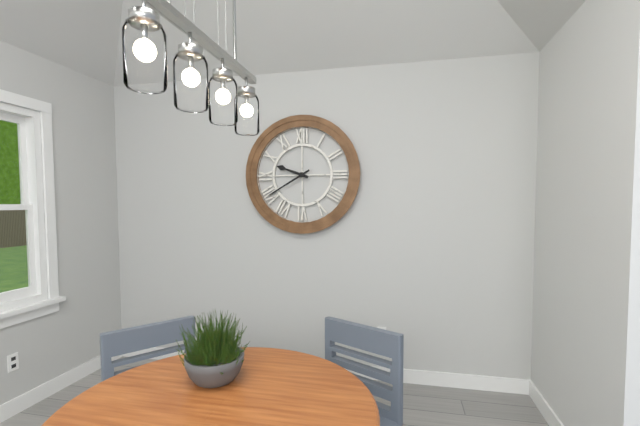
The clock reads **9:40**
